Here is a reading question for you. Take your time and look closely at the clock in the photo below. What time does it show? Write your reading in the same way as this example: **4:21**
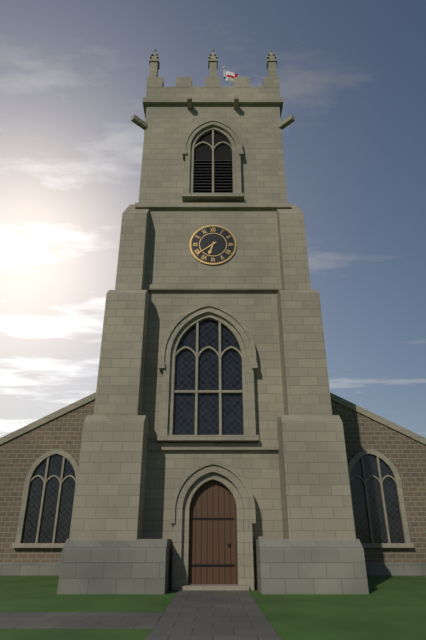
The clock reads **6:39**
